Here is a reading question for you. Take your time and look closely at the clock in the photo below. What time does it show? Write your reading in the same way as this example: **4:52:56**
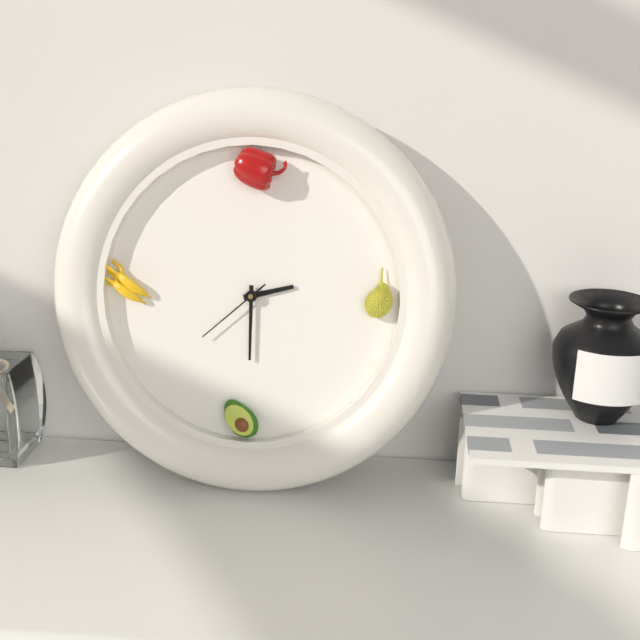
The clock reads **2:30:38**
